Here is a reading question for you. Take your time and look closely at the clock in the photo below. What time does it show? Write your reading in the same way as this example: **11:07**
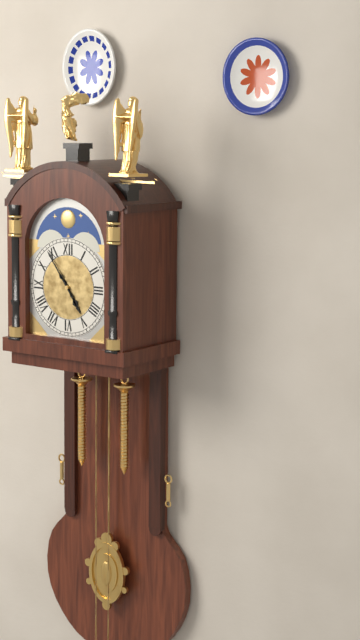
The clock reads **4:54**
